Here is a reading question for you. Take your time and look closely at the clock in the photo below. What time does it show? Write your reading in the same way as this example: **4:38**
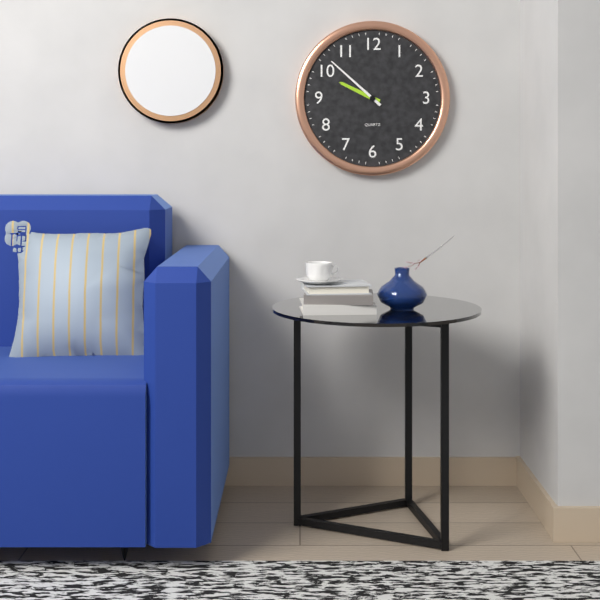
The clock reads **9:52**
